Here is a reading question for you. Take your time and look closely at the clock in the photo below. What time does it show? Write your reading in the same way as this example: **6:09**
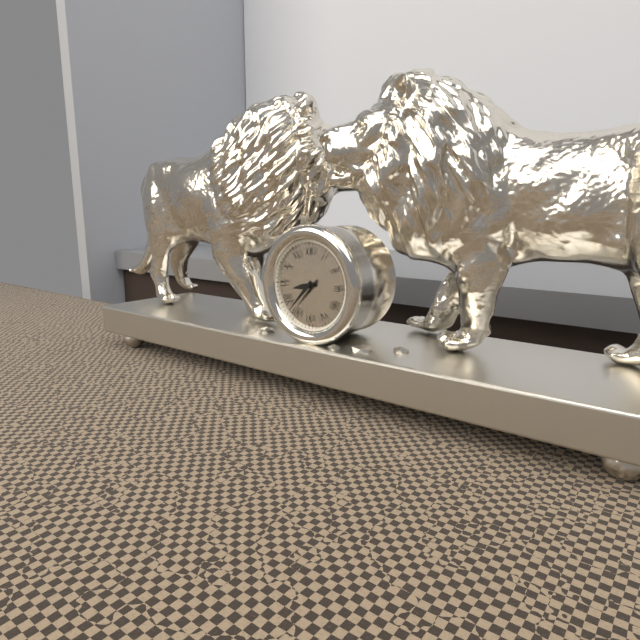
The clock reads **8:37**
